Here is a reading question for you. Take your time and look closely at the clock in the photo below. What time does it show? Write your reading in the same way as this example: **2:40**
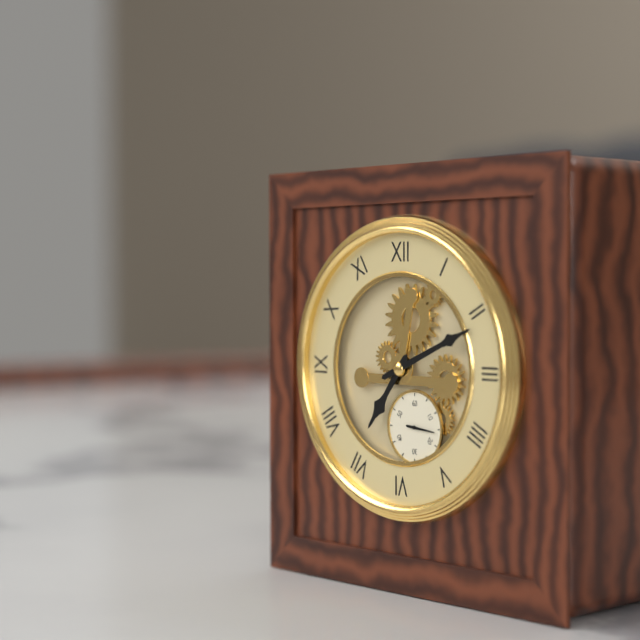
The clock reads **7:11**
